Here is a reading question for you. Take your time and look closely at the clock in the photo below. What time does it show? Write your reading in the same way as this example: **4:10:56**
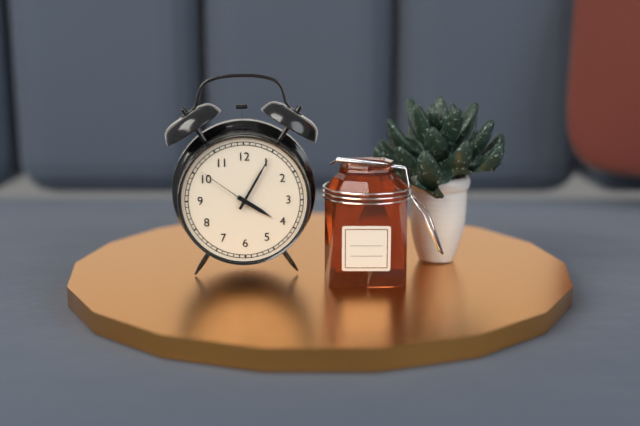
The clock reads **4:05:51**
